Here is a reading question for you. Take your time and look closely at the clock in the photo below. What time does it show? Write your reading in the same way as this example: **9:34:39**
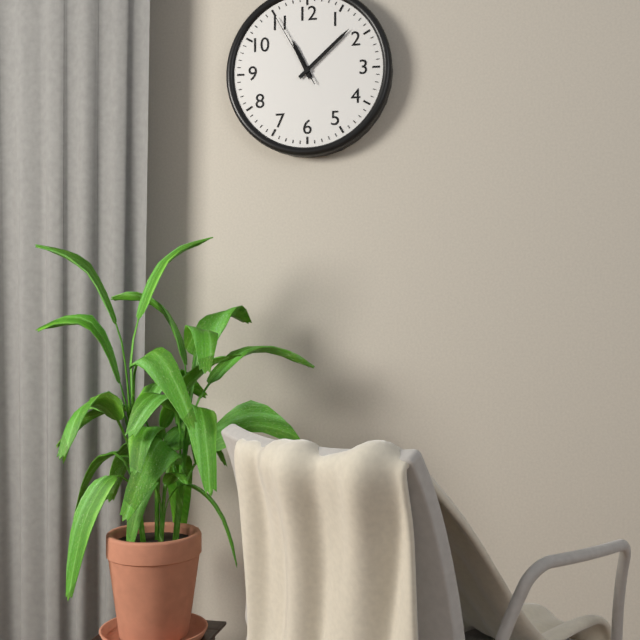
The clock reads **11:08:55**
